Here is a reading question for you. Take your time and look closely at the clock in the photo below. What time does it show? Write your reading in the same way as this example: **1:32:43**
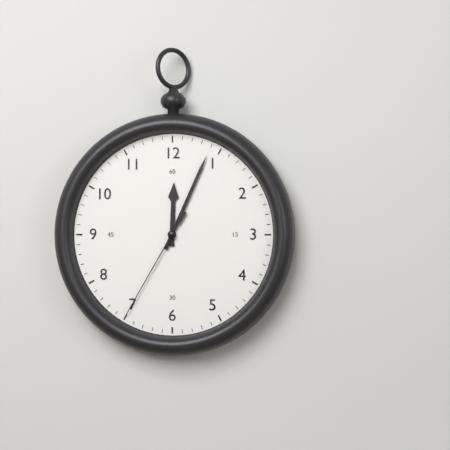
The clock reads **12:04:35**
